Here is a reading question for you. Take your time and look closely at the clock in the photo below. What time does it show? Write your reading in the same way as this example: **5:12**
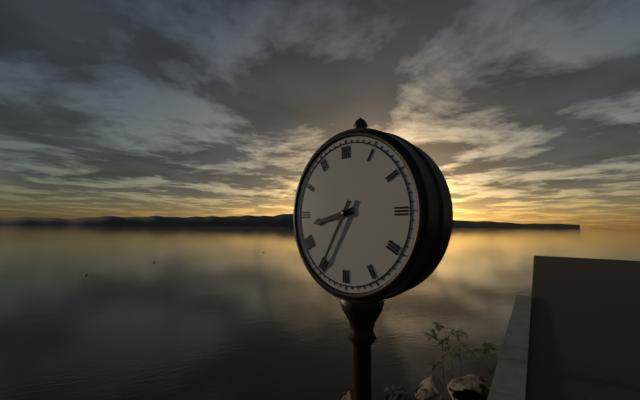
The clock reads **8:35**
